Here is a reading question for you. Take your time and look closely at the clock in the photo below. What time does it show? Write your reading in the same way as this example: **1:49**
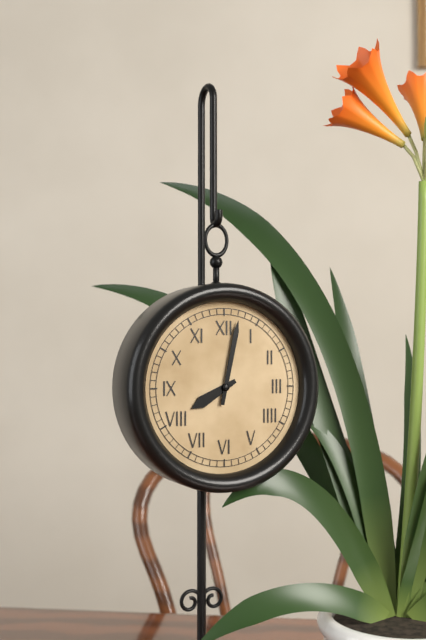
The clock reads **8:02**
